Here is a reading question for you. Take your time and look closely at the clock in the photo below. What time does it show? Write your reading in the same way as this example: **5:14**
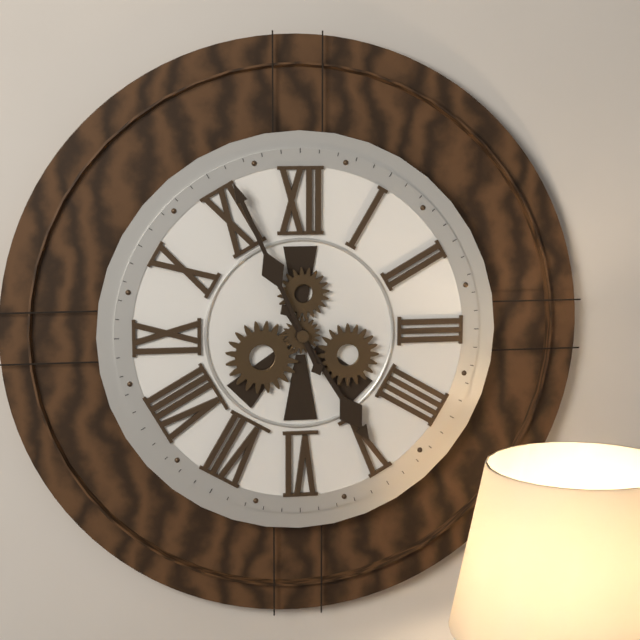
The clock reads **4:56**
